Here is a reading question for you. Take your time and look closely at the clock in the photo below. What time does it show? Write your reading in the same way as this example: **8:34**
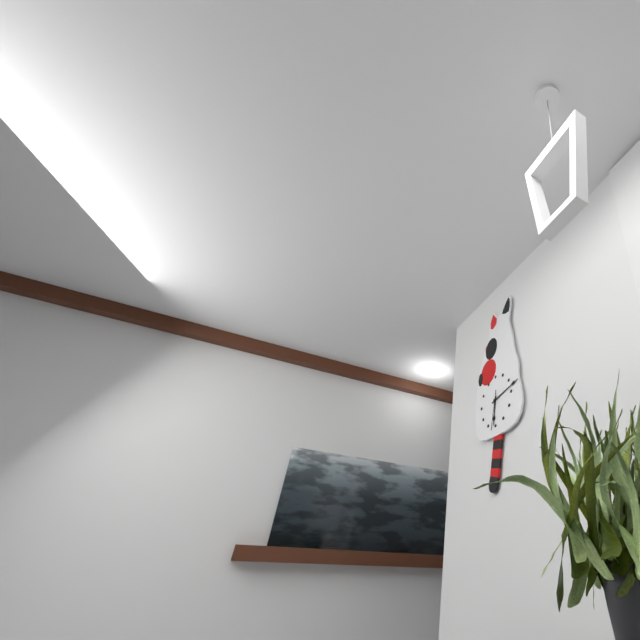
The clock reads **6:13**
